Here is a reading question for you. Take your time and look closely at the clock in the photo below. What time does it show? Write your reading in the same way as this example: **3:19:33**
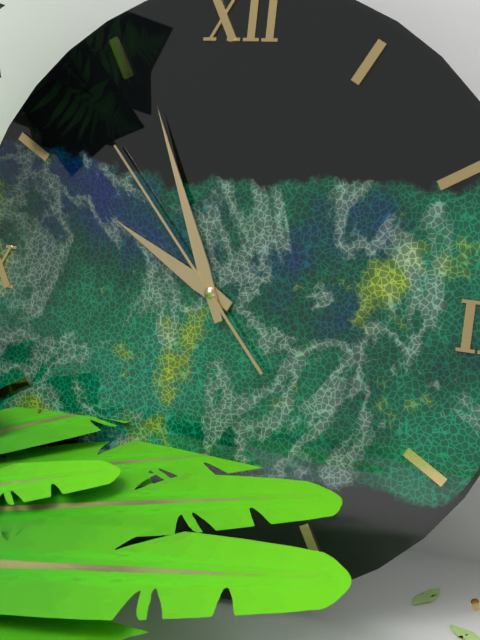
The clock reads **9:56:53**
